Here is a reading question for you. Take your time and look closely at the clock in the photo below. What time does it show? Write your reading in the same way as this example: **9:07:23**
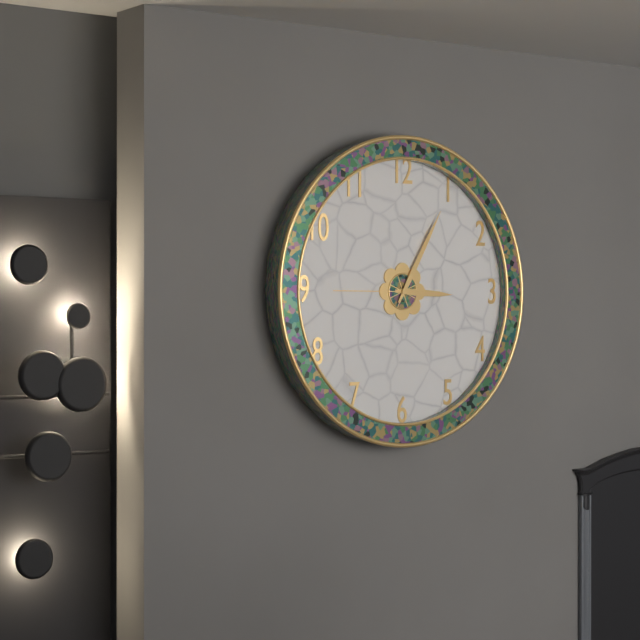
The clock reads **3:05:45**
